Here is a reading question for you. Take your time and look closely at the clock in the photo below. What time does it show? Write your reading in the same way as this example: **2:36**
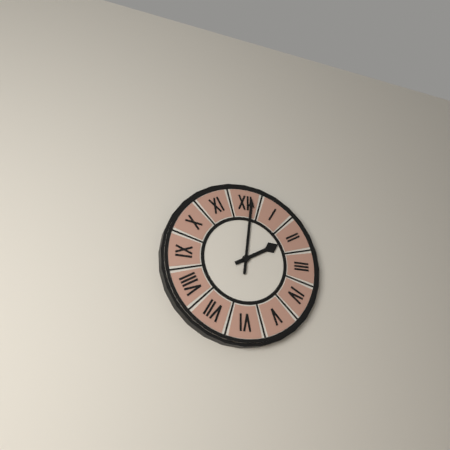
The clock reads **2:01**
